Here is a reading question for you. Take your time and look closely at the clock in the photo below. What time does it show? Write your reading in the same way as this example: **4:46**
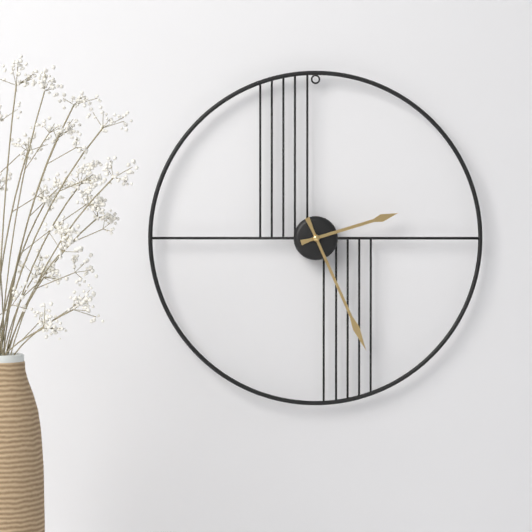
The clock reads **2:26**
